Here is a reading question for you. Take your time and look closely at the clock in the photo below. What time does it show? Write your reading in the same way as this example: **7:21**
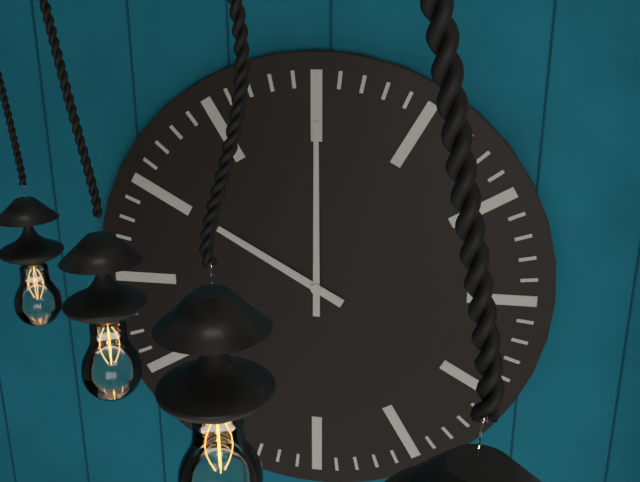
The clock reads **10:00**
